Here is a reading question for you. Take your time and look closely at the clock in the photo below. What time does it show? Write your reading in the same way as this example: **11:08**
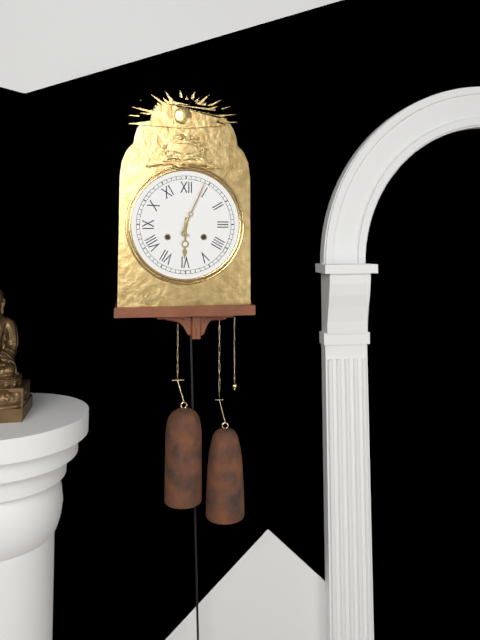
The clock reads **6:04**
